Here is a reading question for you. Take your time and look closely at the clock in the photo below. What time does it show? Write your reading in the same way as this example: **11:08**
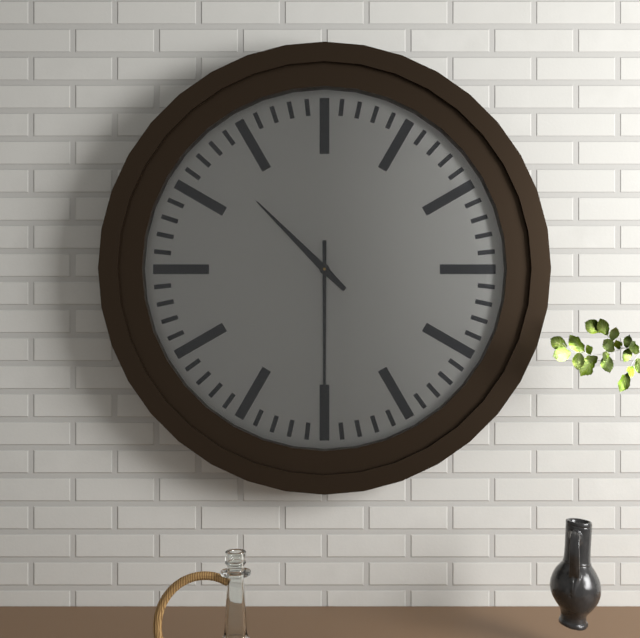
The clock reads **10:30**
